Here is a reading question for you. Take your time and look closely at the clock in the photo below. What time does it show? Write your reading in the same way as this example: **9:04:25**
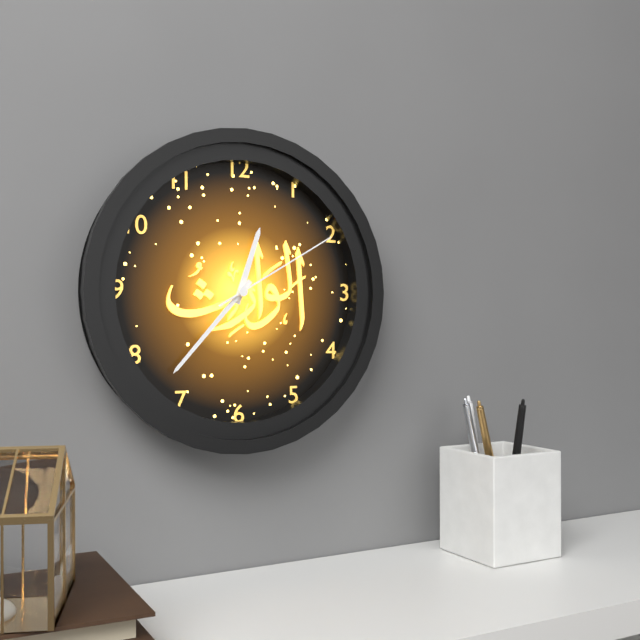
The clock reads **12:37:10**
